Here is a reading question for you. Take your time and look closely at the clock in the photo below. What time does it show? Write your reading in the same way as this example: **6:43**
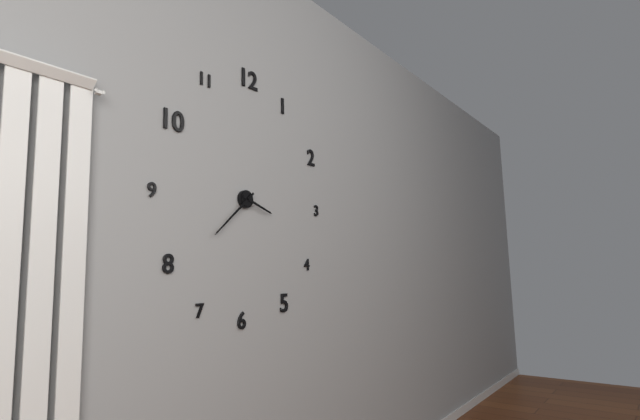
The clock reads **3:38**
